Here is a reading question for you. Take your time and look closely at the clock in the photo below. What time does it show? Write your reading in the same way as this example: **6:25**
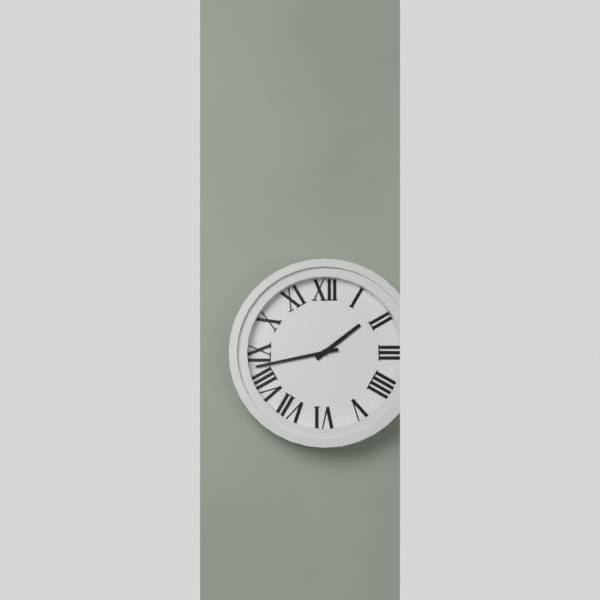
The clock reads **1:43**
